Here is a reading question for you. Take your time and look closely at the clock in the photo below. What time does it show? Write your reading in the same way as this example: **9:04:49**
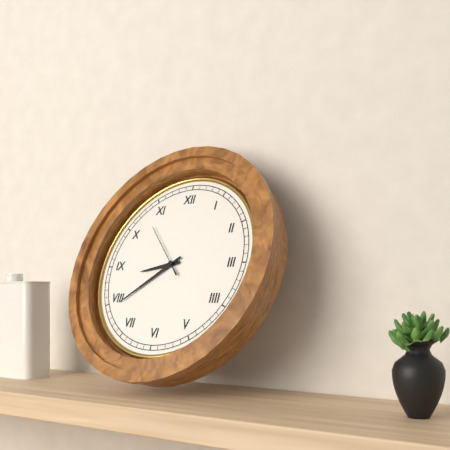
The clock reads **8:39:53**
